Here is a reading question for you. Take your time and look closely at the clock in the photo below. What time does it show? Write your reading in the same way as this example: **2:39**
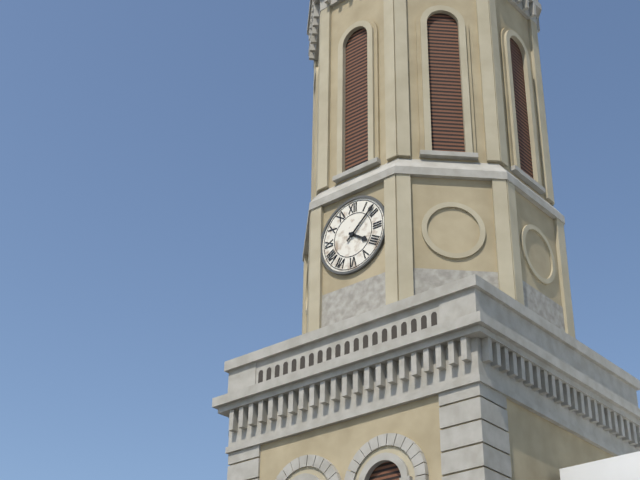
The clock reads **4:08**
